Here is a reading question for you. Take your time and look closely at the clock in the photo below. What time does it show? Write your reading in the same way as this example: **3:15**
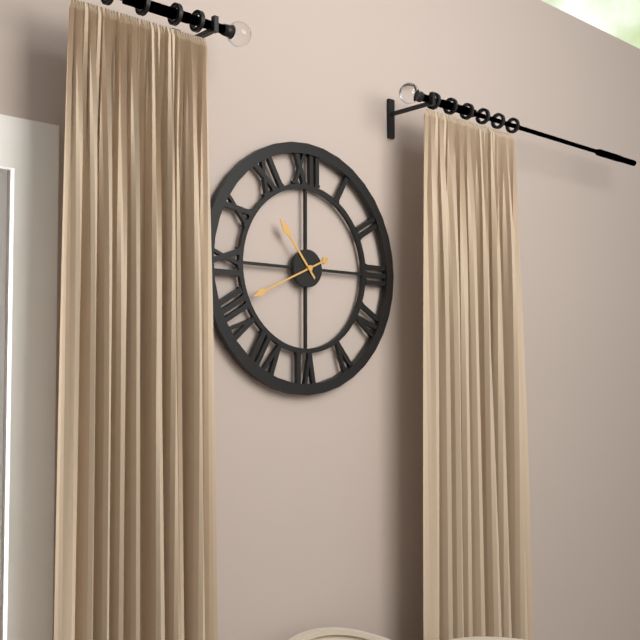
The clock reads **10:41**
